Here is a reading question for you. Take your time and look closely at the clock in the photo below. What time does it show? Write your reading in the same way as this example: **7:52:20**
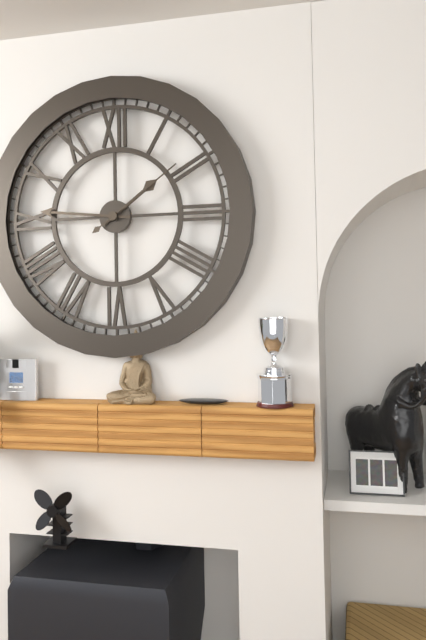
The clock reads **1:46:09**
